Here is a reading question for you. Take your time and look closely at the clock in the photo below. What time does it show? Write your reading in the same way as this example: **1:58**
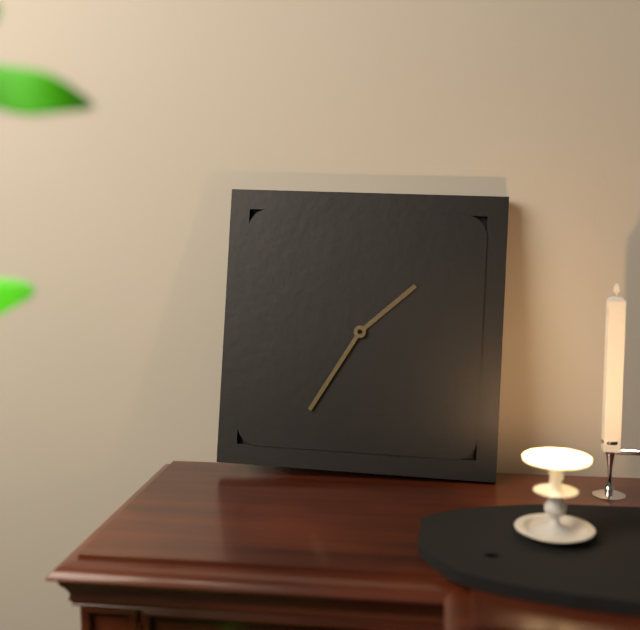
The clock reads **1:35**
